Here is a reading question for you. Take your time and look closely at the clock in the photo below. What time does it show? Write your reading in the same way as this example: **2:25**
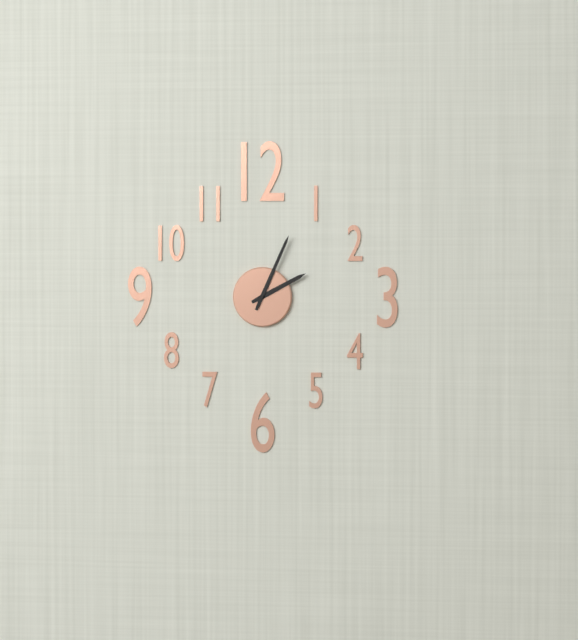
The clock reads **2:04**
